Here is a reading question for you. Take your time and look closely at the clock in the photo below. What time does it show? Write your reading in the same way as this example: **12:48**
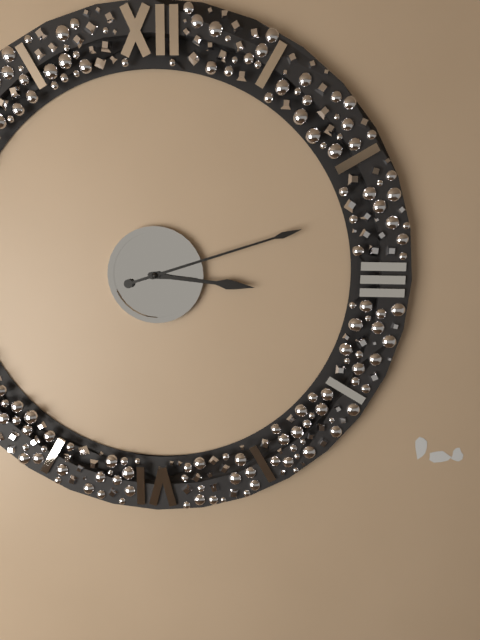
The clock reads **3:12**
